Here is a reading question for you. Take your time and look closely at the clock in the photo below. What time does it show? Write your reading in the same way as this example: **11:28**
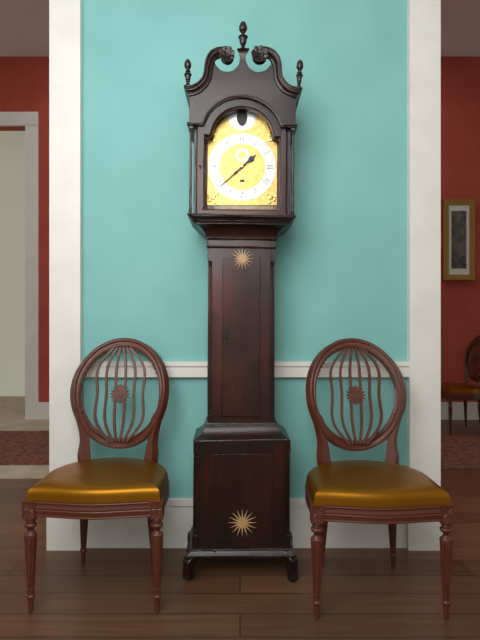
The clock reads **1:38**
